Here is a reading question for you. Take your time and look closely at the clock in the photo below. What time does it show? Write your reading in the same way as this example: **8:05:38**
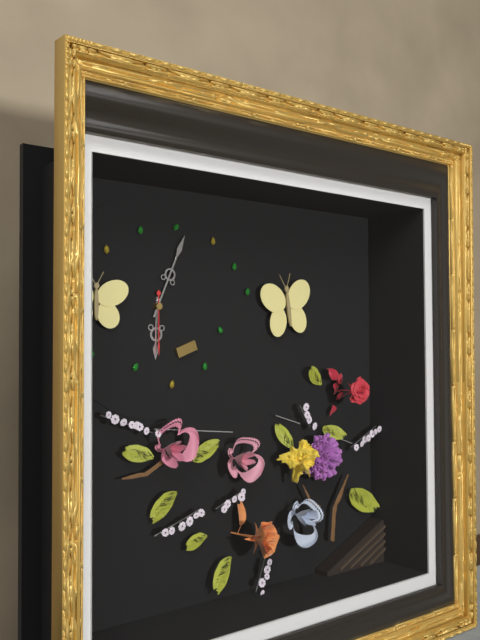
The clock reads **6:04:30**
